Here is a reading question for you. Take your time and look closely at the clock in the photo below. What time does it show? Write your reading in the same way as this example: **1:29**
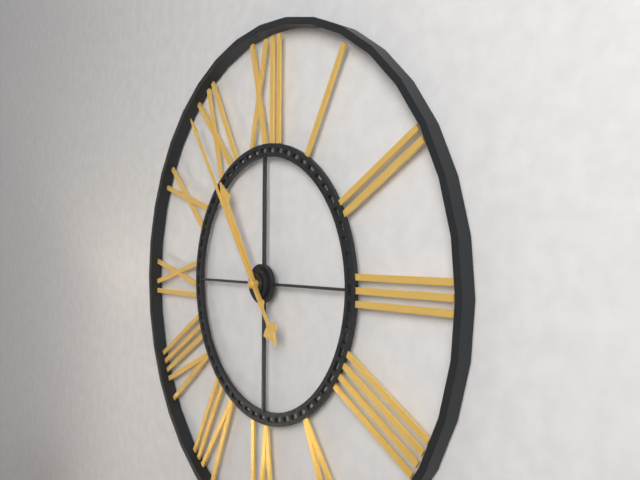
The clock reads **10:54**
